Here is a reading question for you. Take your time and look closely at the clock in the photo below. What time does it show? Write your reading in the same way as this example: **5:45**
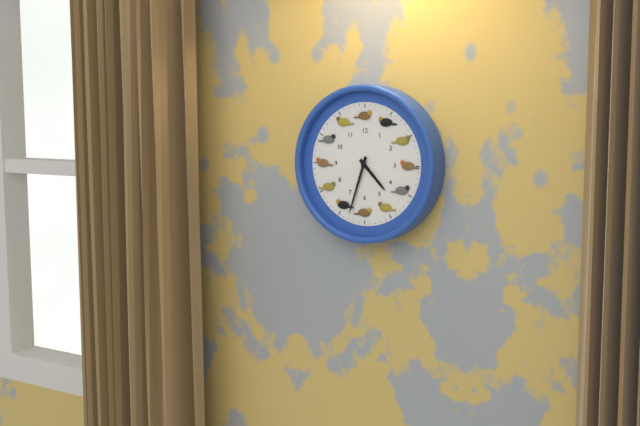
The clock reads **4:33**
